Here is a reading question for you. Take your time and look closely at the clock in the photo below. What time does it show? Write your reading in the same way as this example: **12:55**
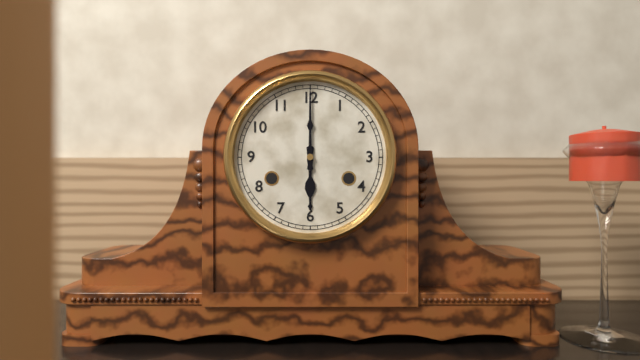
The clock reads **6:00**
